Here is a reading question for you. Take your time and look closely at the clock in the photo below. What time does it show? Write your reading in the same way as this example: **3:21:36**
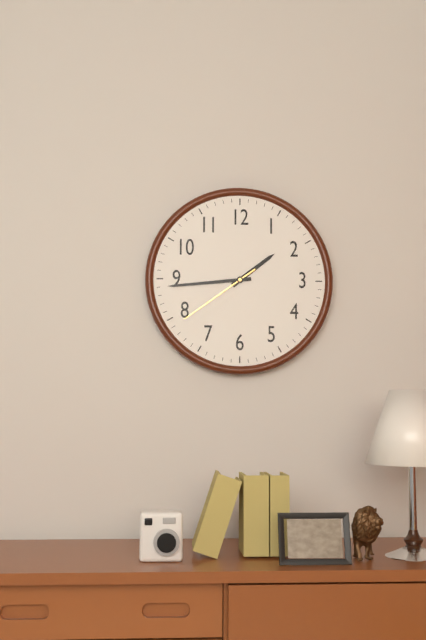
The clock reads **1:44:39**
